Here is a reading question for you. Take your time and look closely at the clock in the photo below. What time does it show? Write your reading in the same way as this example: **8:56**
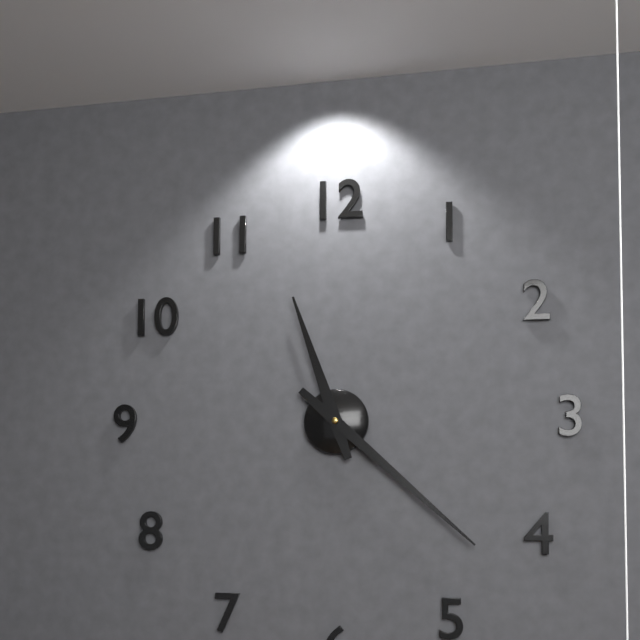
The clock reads **11:22**
